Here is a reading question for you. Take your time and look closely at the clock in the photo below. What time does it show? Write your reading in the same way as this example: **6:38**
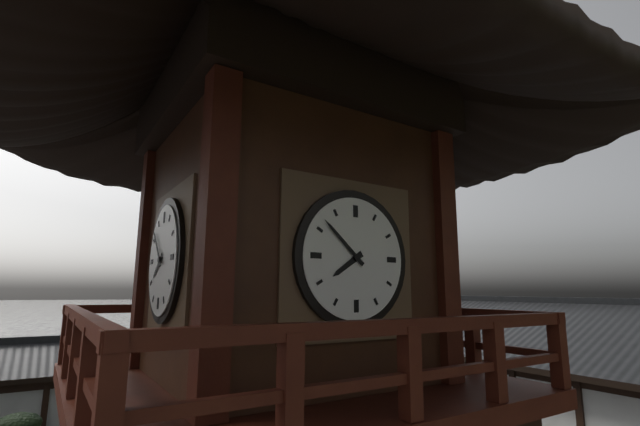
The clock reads **7:52**
